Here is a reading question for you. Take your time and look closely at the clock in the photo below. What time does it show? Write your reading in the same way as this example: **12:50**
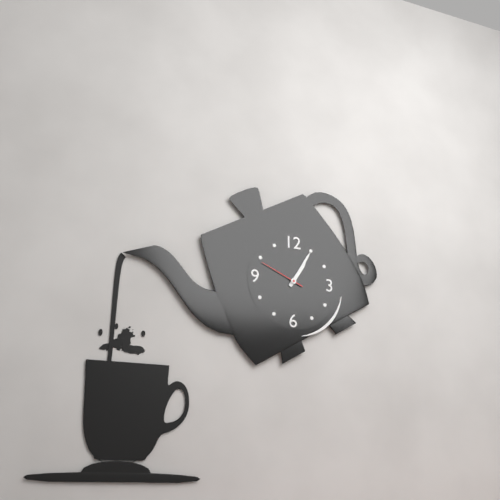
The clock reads **1:05**
